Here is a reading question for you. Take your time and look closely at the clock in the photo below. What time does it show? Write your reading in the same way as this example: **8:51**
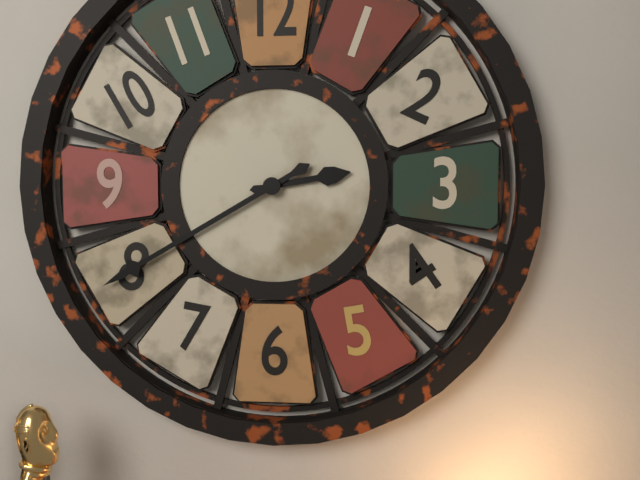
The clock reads **2:40**
